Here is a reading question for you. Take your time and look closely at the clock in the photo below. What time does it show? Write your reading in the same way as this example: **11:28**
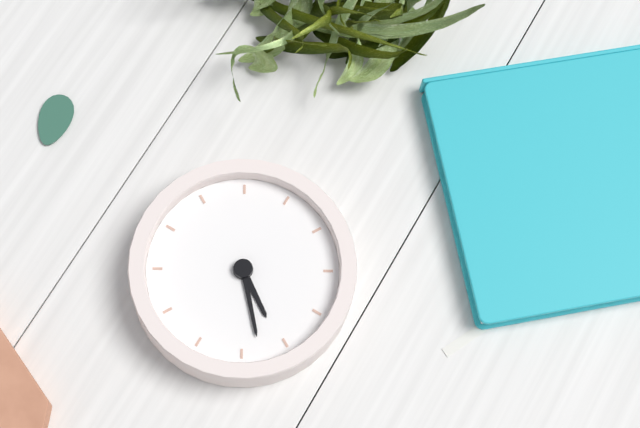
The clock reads **1:08**
